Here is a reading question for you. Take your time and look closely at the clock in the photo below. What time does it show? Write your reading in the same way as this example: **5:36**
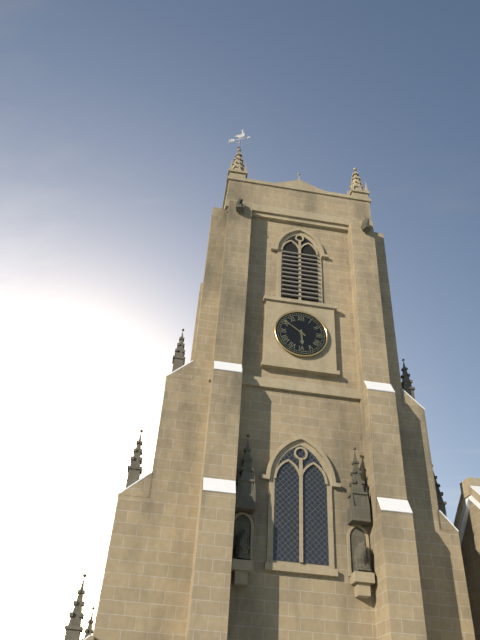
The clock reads **5:51**
